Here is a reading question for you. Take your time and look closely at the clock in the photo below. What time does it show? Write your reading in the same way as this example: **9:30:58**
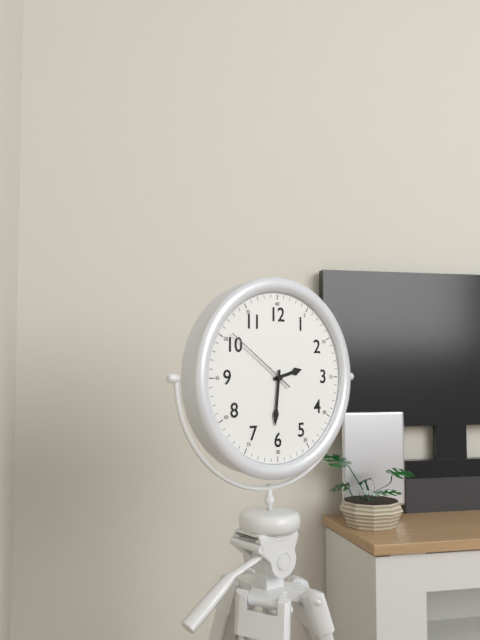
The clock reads **2:31:51**
